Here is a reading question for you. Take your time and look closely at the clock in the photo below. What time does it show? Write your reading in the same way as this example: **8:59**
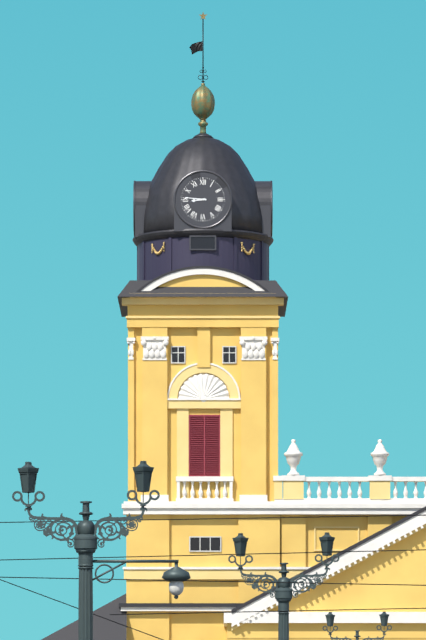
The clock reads **8:46**
